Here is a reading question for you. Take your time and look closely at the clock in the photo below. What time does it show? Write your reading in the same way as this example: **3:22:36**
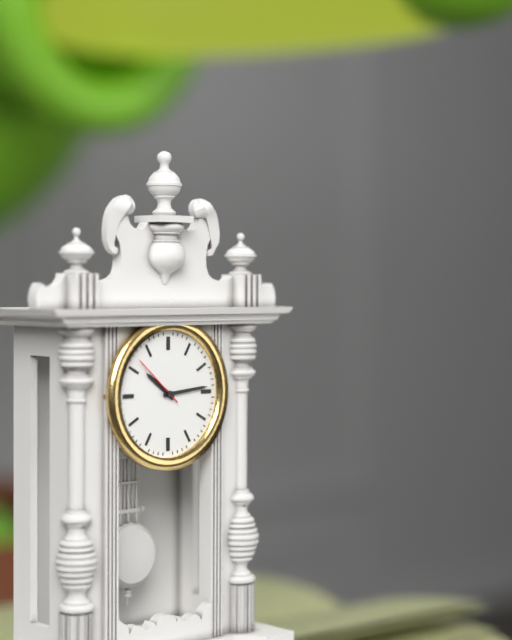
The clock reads **10:14:52**
